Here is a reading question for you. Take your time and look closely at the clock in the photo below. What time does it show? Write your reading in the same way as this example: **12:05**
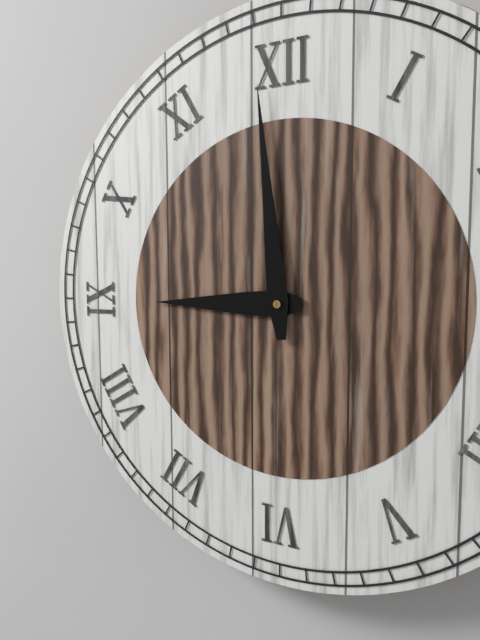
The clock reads **8:59**
